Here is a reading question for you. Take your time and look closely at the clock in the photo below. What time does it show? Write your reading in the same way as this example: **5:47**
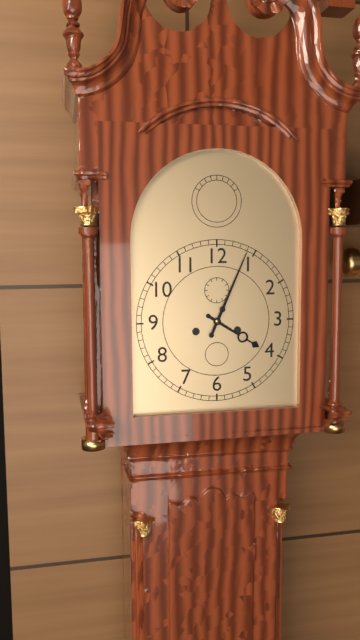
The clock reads **4:04**
